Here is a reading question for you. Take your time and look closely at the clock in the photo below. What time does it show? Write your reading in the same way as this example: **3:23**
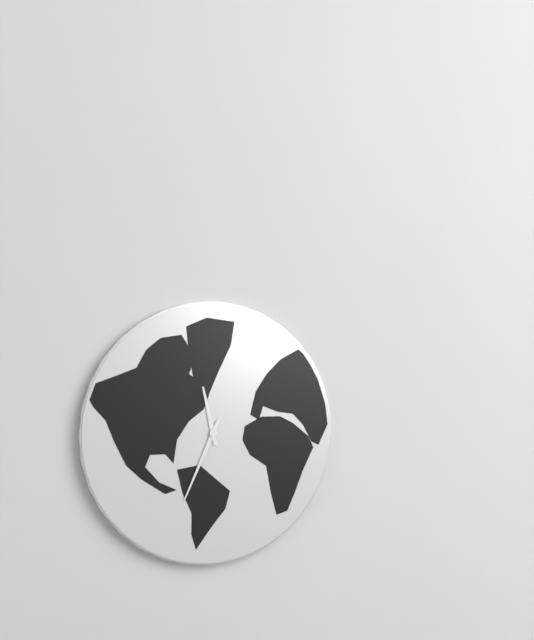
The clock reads **11:34**
